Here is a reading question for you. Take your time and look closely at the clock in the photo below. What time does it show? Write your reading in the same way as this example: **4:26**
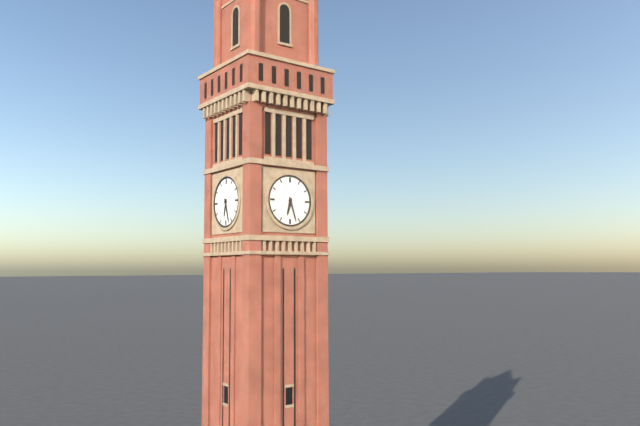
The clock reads **6:27**
